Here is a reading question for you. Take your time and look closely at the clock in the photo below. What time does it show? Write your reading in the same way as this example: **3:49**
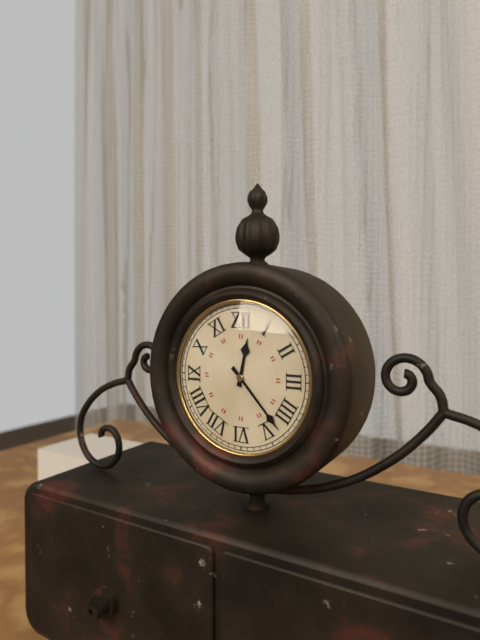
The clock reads **12:23**
